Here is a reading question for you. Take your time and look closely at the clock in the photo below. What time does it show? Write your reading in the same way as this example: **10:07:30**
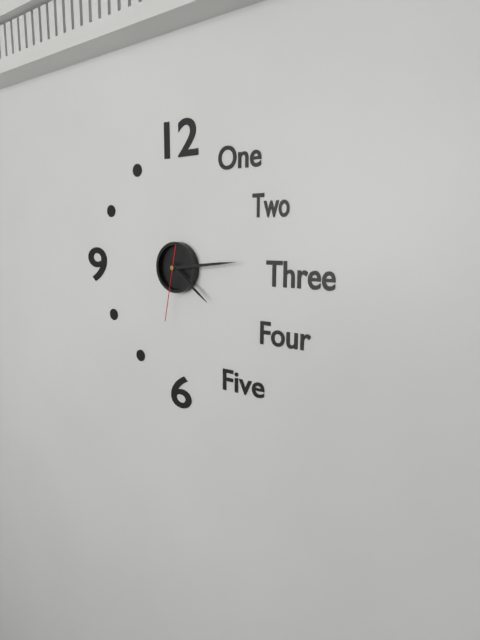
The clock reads **4:14:32**
